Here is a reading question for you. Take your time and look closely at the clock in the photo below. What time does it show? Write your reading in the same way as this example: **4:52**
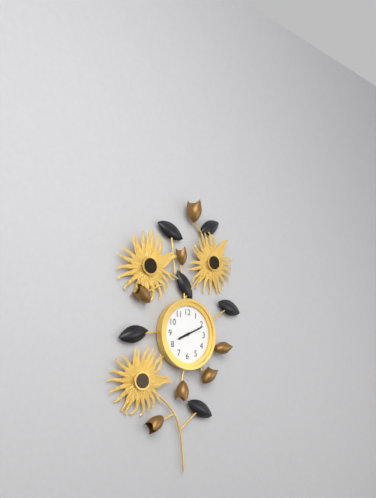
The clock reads **8:11**
